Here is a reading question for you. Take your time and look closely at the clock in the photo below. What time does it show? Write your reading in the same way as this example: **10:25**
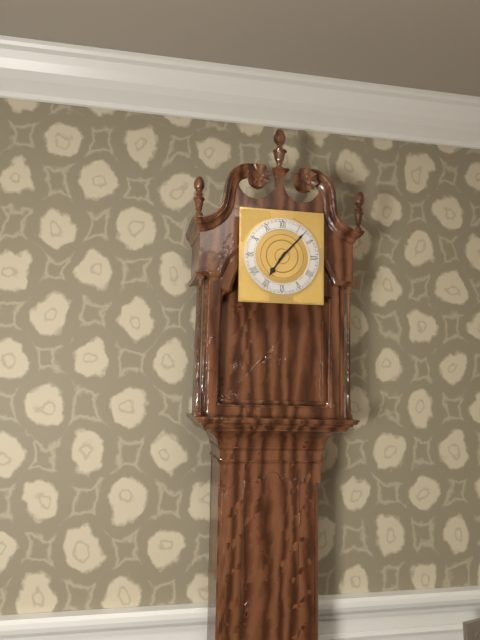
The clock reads **7:07**
